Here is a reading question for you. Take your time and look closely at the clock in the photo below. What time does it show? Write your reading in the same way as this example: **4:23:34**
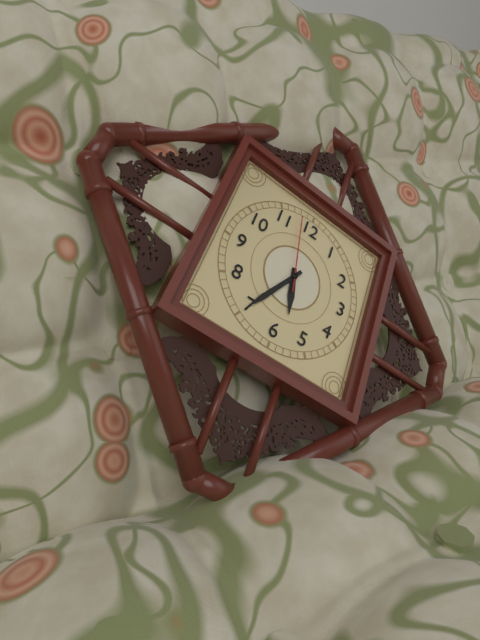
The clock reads **5:35:58**
